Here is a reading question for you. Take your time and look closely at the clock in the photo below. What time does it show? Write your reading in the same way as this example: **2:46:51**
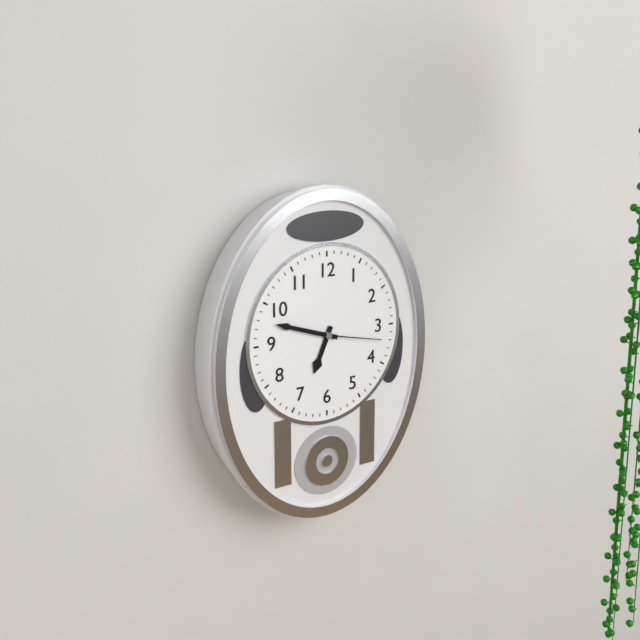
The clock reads **6:48:17**
